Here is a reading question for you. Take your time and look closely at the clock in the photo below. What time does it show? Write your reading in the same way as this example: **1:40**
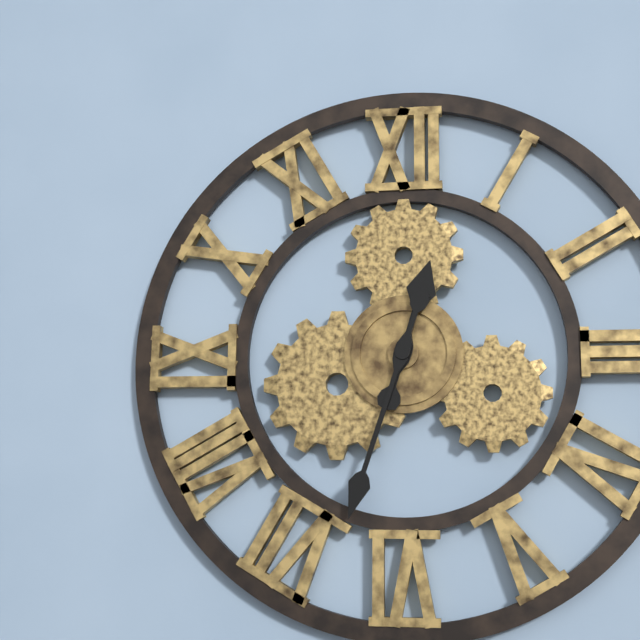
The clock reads **12:33**
